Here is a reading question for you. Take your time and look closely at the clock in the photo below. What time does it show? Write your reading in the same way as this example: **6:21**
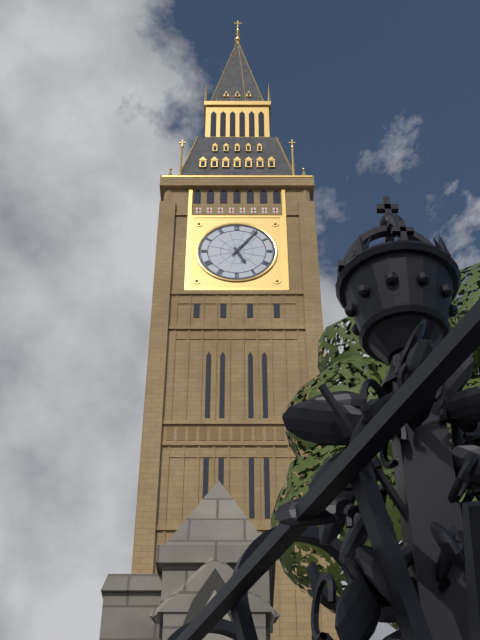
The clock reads **5:06**
